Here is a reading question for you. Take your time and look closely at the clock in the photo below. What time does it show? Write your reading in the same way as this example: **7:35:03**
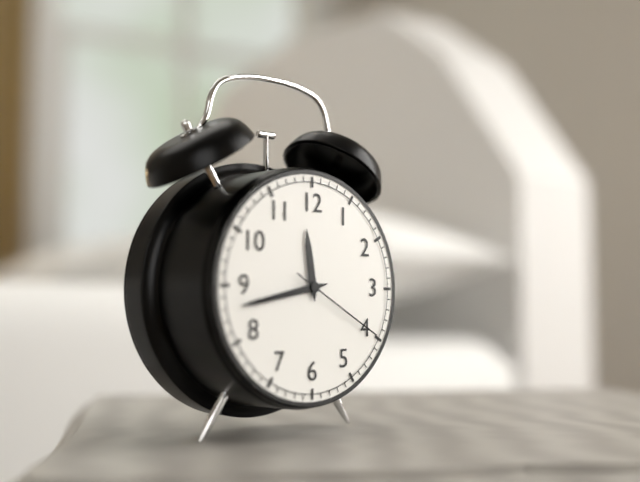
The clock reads **11:43:20**
